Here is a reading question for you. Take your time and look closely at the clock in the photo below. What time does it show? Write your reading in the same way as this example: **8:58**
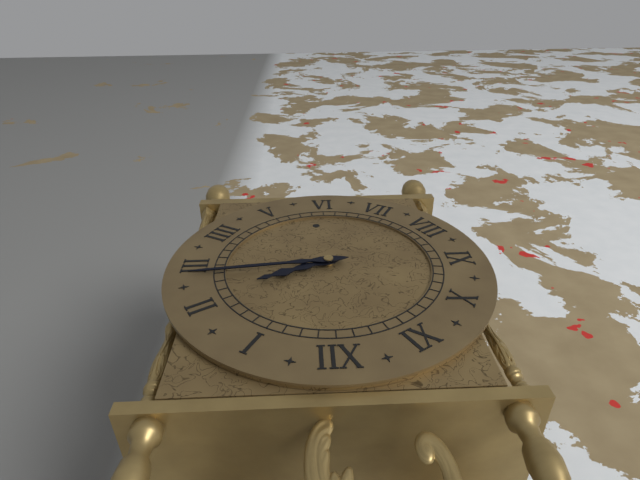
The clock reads **2:14**
